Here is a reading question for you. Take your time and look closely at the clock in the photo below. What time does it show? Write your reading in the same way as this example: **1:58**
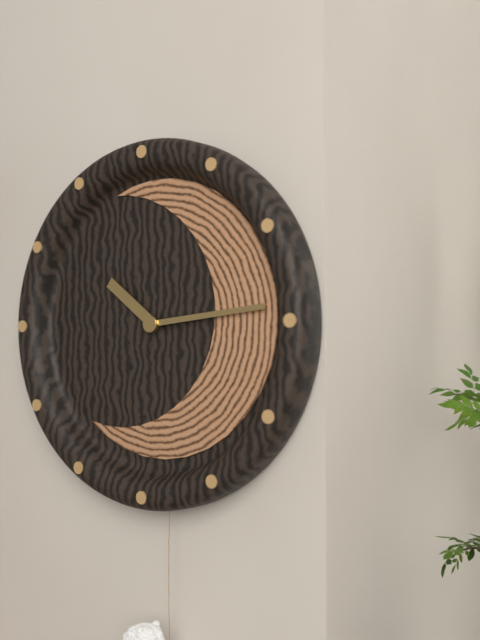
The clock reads **10:14**
